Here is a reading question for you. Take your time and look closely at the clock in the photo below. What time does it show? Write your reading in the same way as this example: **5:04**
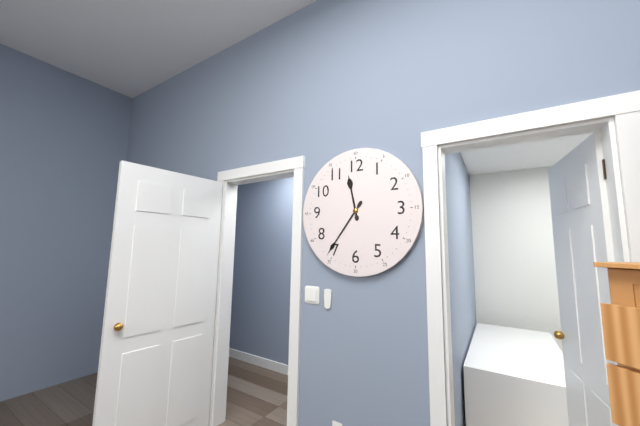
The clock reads **11:36**
